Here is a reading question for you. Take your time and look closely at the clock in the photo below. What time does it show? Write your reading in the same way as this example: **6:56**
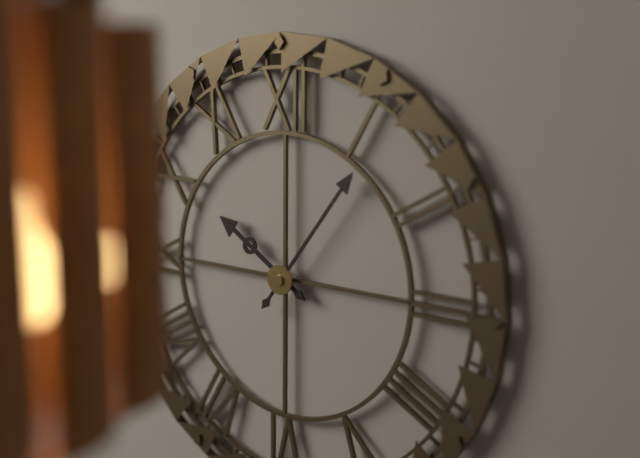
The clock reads **10:06**
